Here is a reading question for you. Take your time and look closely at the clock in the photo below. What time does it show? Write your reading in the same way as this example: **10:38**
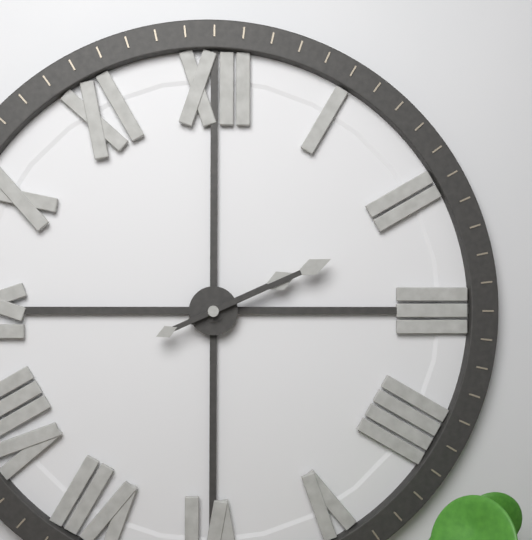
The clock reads **2:11**
